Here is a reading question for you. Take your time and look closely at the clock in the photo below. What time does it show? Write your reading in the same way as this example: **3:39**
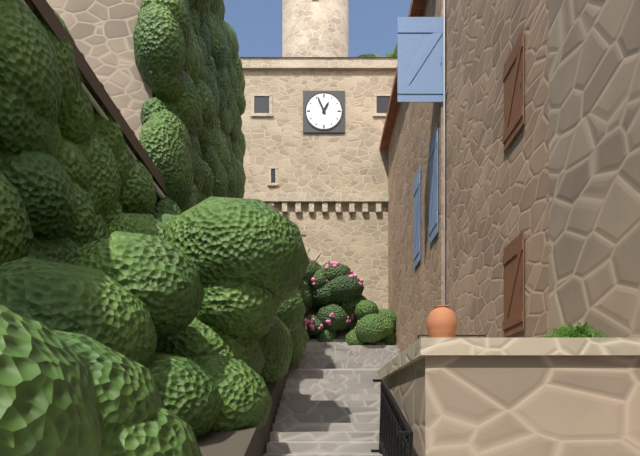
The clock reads **12:56**
